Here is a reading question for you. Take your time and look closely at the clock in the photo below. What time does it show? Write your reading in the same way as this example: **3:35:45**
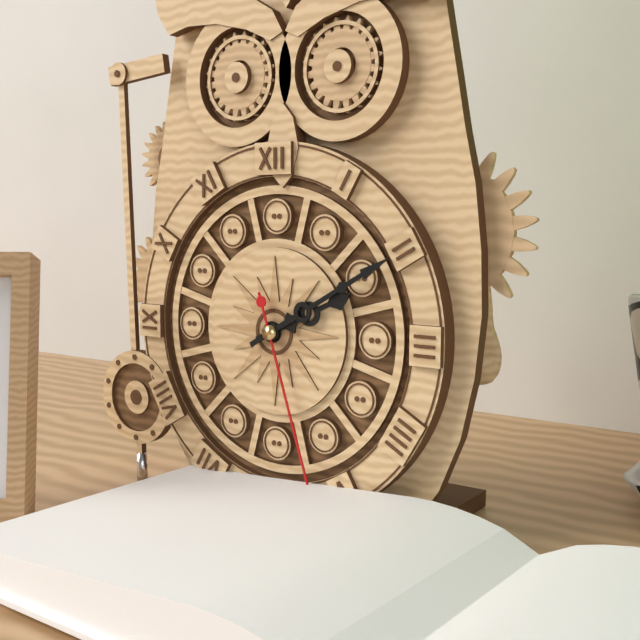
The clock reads **2:10:27**
